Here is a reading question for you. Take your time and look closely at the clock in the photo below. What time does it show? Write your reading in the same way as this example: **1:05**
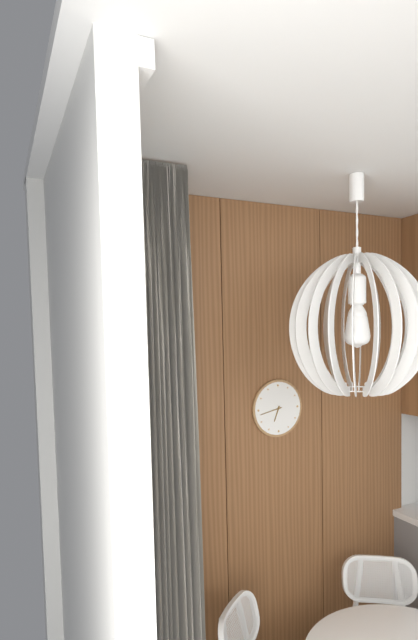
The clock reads **6:43**
